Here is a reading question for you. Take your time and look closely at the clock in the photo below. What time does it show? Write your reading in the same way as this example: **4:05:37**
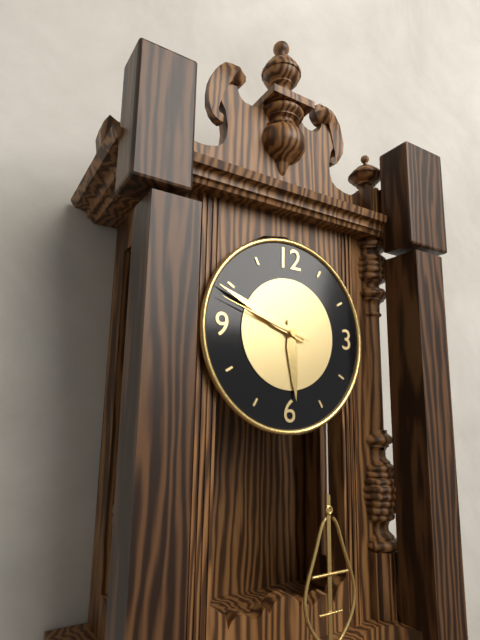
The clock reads **5:49:48**
